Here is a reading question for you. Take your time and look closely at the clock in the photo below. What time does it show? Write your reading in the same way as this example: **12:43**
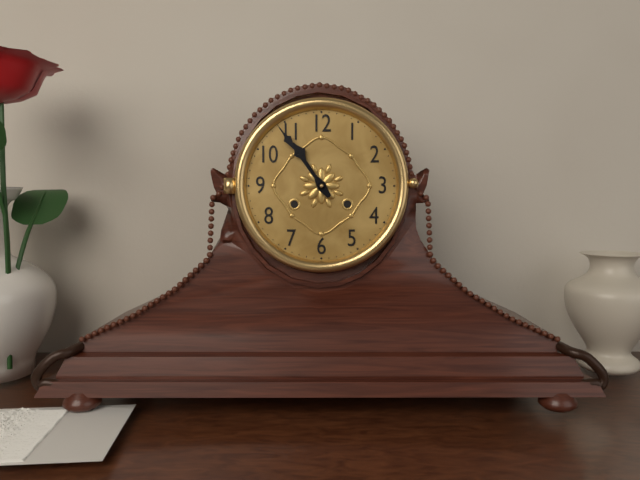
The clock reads **10:54**
